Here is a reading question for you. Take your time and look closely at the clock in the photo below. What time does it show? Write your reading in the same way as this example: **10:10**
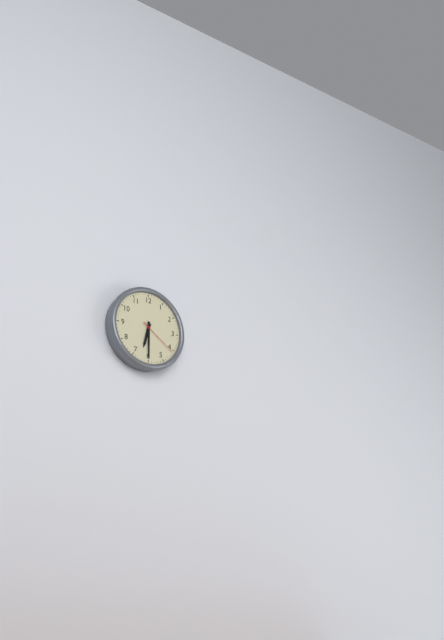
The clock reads **6:30**
